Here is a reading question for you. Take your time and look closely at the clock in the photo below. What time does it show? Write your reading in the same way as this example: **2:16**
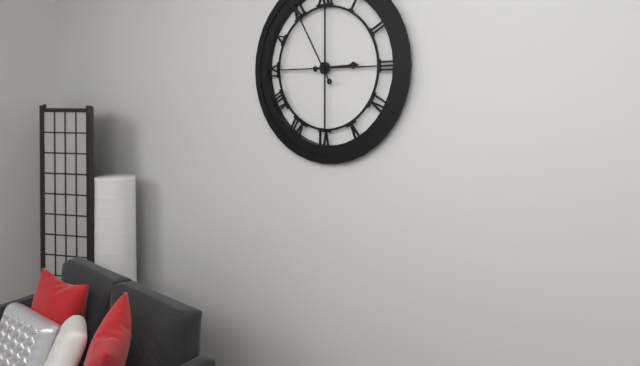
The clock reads **2:55**
